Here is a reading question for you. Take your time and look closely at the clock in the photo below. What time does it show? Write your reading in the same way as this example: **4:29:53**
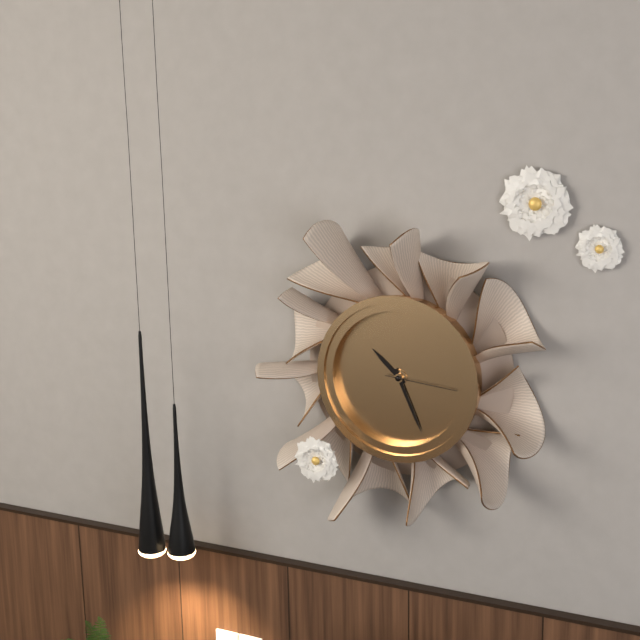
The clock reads **10:26:16**
